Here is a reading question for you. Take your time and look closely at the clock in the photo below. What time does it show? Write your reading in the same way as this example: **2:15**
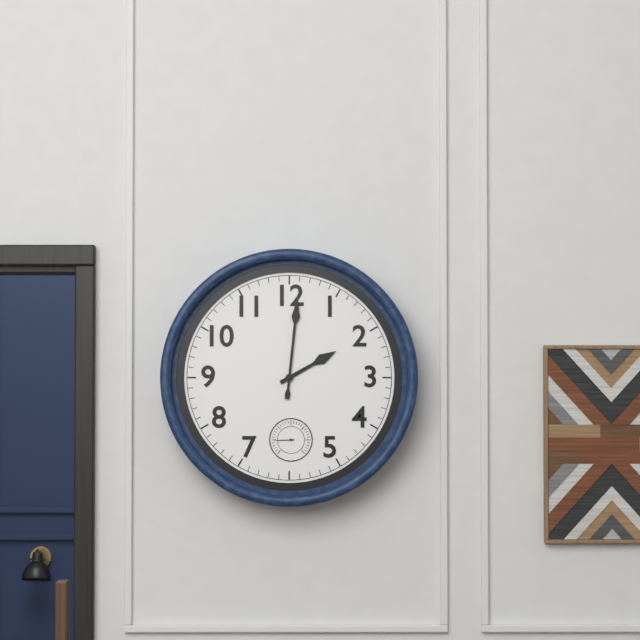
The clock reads **2:01**
